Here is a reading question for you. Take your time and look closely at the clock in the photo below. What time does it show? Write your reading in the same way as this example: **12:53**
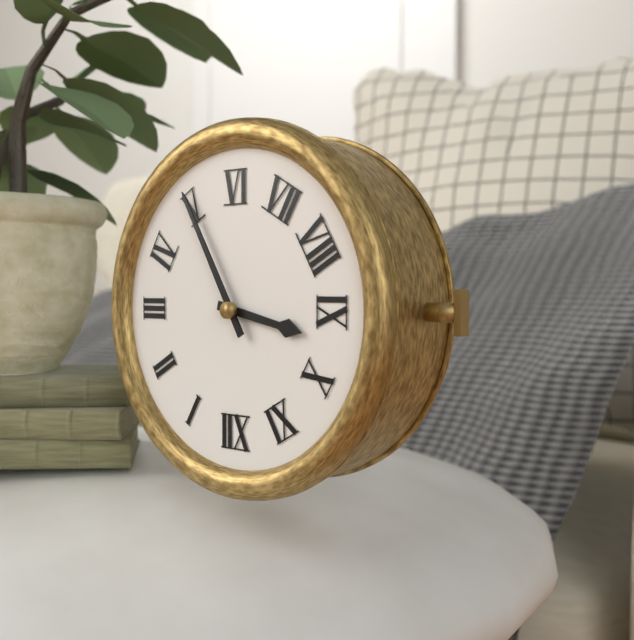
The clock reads **9:25**
